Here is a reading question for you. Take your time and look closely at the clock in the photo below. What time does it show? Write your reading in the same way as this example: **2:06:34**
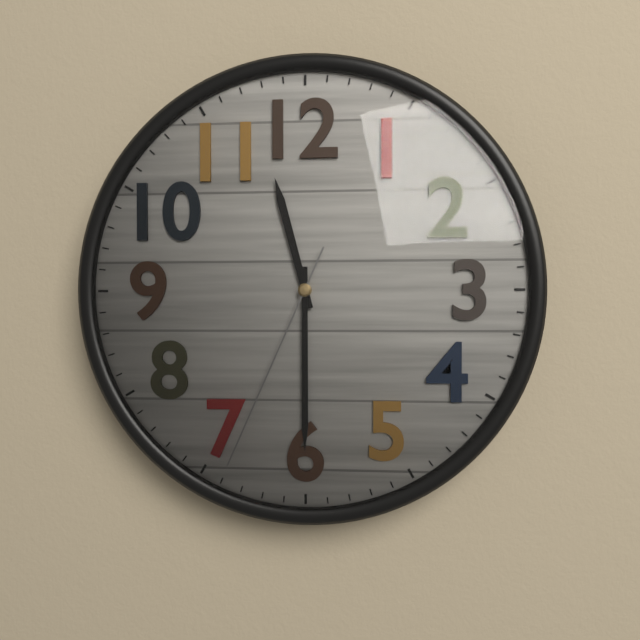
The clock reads **11:30:34**
